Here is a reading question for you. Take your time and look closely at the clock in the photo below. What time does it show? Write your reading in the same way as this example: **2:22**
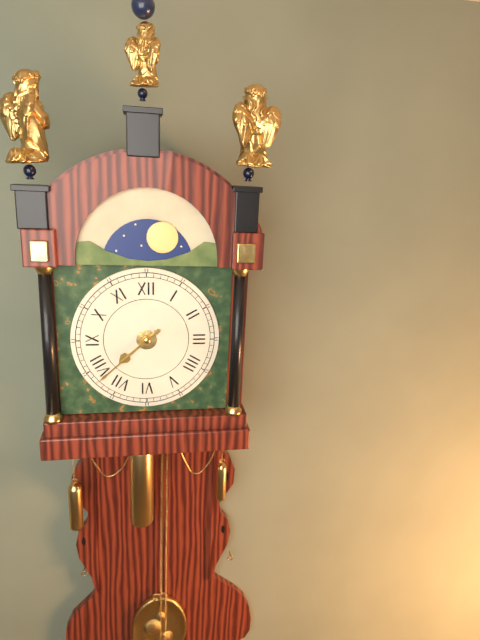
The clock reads **7:38**
